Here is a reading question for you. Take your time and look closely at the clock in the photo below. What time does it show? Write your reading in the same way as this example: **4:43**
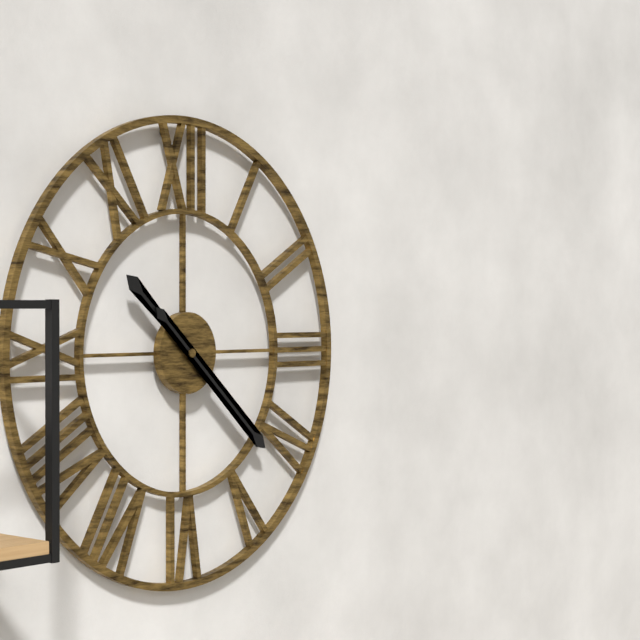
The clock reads **10:22**
